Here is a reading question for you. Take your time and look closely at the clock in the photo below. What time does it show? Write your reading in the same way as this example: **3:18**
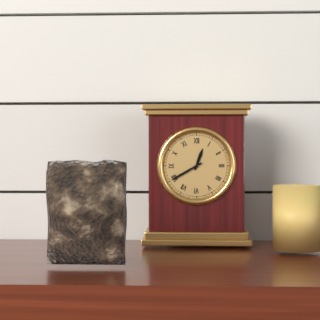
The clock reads **12:40**
